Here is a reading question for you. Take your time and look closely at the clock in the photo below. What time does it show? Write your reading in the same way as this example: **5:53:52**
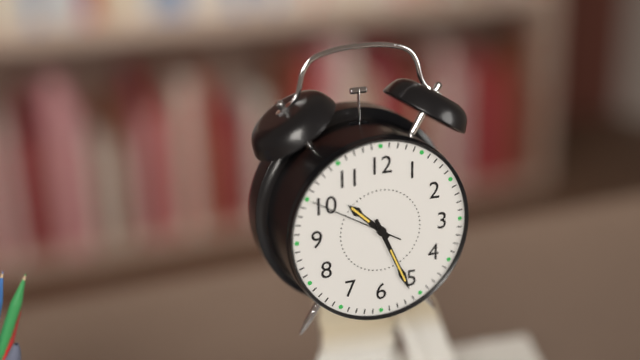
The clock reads **10:26:50**
